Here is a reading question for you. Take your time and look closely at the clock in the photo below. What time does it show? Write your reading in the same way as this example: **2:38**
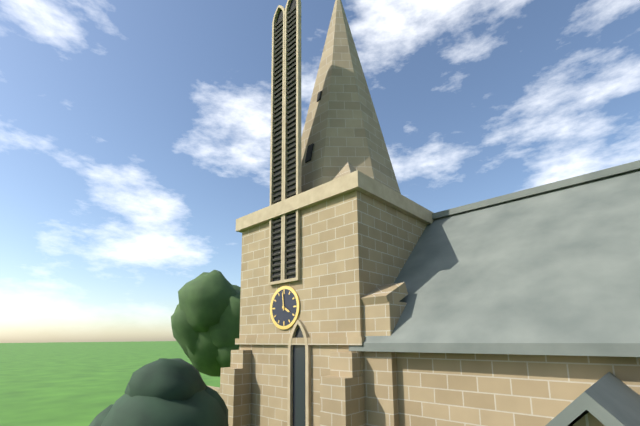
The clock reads **3:59**
